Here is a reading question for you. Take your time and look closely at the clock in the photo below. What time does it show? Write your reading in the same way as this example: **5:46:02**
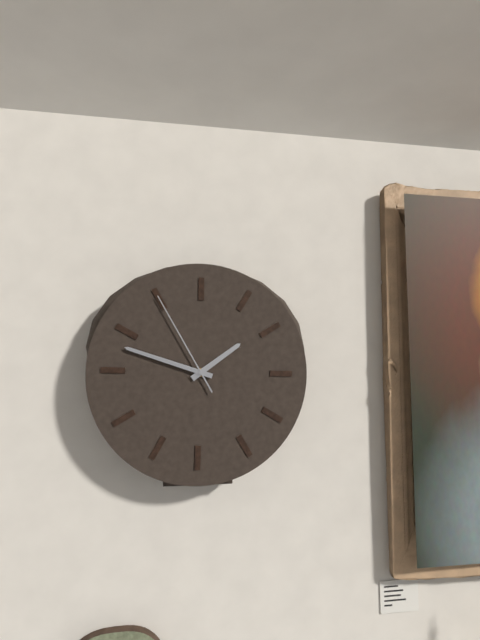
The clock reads **1:48:55**
